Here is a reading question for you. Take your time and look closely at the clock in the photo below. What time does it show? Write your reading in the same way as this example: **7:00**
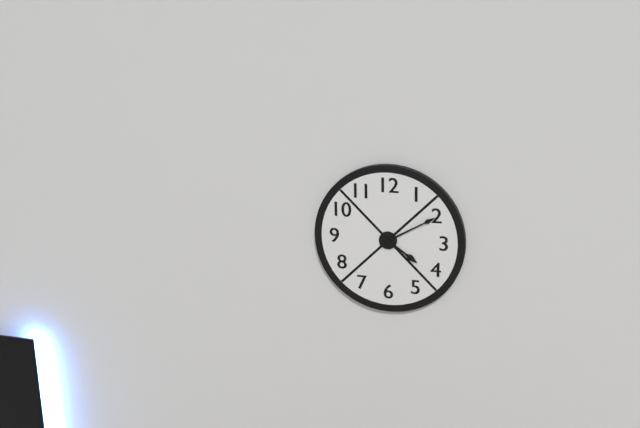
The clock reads **4:10**
